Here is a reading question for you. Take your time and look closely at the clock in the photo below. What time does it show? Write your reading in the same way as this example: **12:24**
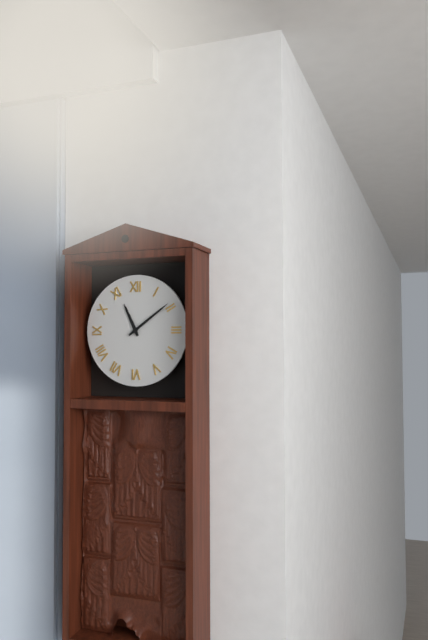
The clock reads **11:09**
